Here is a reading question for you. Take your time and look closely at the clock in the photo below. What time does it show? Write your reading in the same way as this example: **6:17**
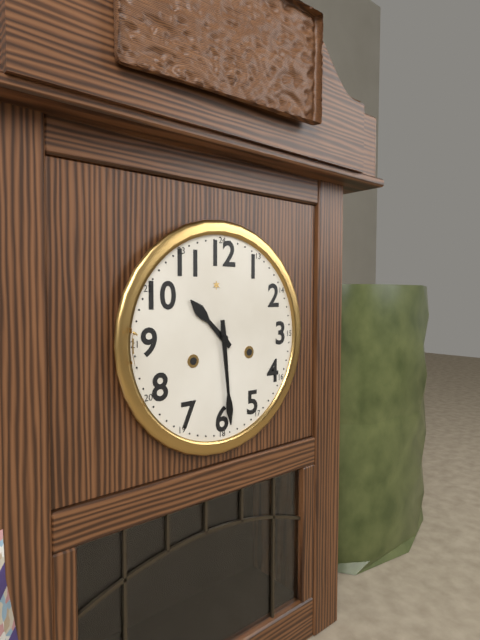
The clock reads **10:29**
